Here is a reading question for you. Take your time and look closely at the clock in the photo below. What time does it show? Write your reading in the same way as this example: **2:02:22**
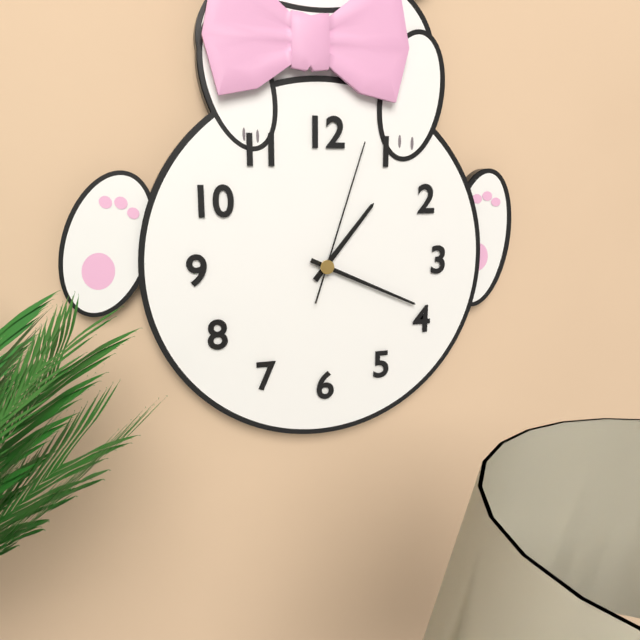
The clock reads **1:19:03**
